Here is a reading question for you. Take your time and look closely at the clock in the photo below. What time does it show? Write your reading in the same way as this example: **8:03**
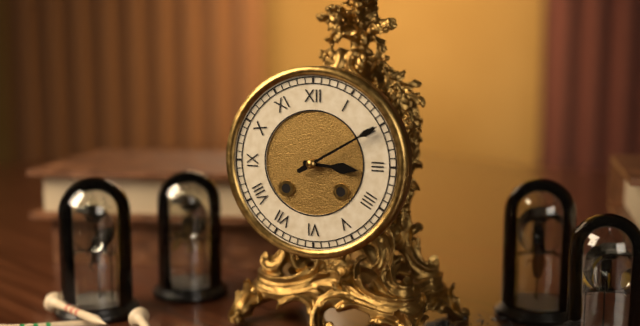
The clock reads **3:10**
